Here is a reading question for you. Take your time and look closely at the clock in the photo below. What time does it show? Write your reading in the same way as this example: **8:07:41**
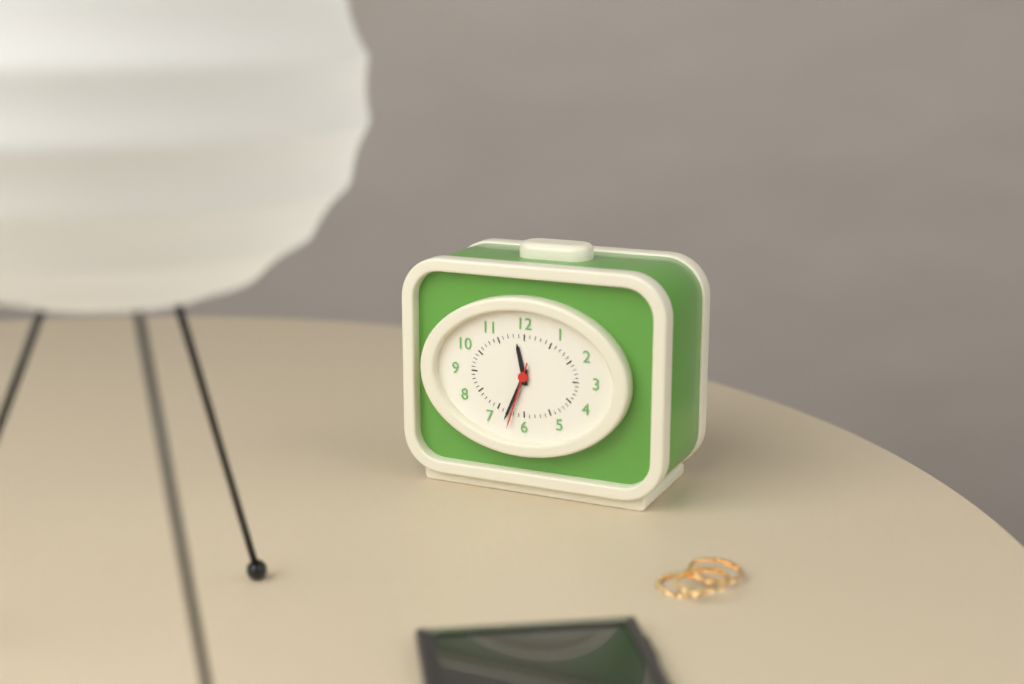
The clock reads **11:34:33**
